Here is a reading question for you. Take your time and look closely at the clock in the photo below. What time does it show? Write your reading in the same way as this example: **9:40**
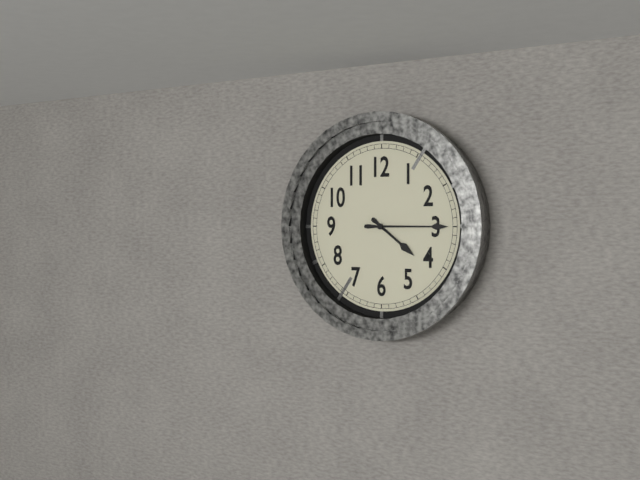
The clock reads **4:15**
